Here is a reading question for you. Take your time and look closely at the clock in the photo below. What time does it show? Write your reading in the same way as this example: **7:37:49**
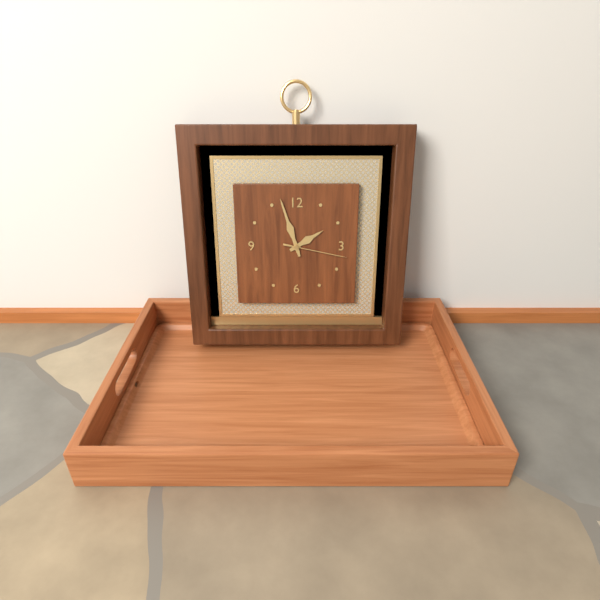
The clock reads **1:57:17**
